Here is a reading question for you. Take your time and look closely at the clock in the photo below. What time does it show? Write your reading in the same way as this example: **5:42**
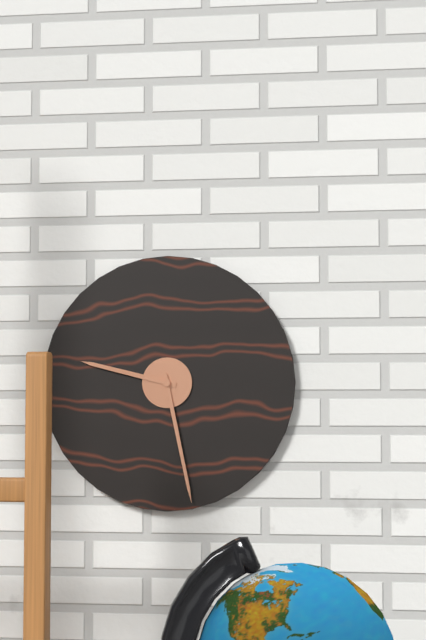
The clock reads **9:28**
